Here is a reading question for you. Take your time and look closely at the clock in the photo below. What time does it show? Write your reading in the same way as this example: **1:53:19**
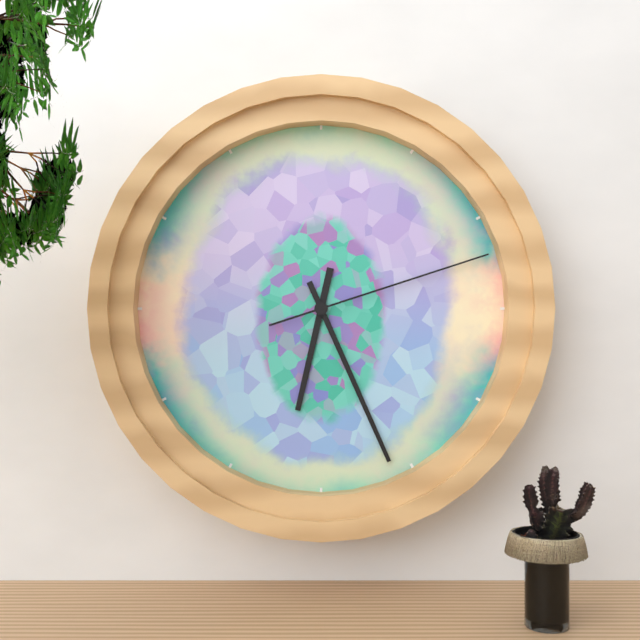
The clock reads **6:26:12**
